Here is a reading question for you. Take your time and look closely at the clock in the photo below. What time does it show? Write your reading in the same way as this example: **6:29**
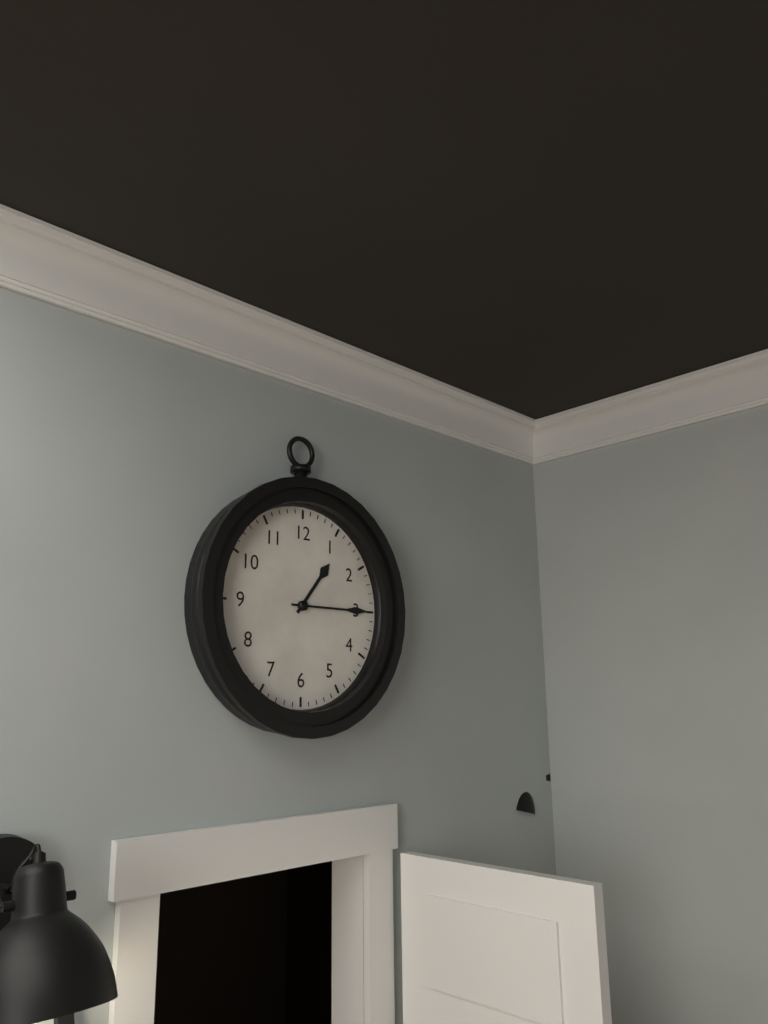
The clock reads **1:15**
